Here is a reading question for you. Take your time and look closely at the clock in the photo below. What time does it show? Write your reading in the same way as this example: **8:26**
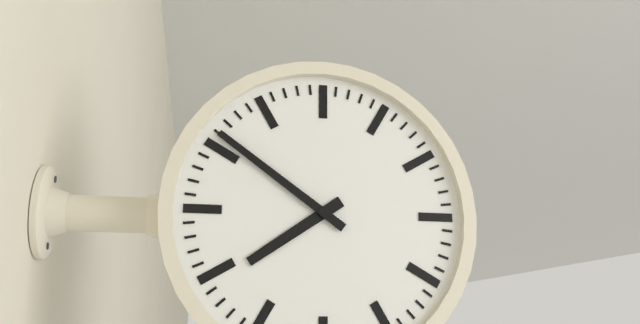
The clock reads **7:51**
